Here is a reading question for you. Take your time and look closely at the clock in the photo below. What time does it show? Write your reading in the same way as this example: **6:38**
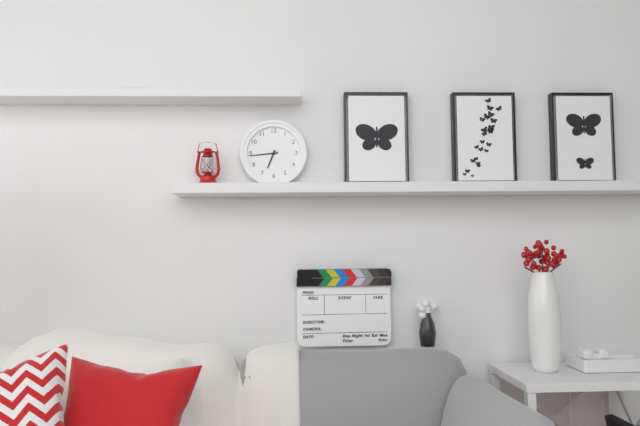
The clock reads **6:44**
